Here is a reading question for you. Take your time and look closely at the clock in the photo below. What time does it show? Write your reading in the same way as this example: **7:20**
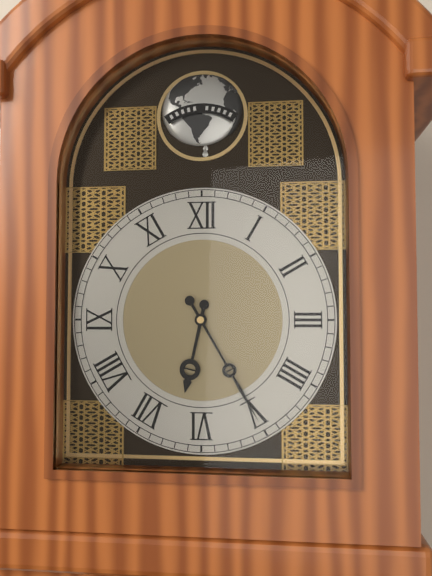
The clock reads **6:25**
